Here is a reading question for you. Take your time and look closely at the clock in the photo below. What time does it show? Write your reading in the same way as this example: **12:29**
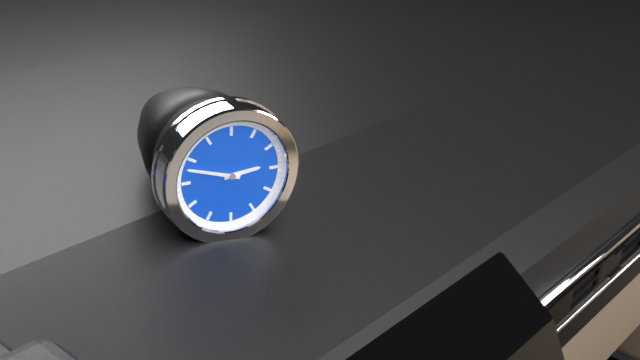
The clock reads **2:48**
